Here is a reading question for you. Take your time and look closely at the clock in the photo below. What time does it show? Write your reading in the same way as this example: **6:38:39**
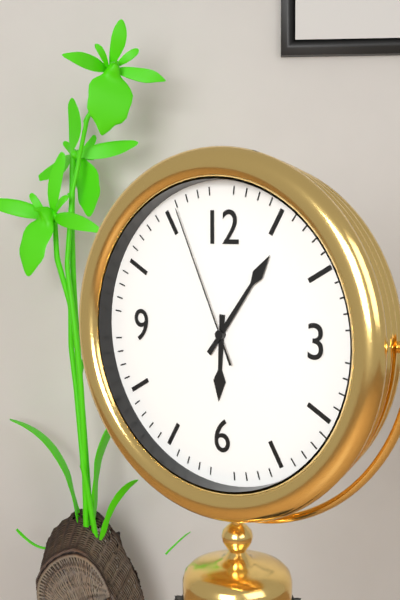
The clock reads **6:06:56**
